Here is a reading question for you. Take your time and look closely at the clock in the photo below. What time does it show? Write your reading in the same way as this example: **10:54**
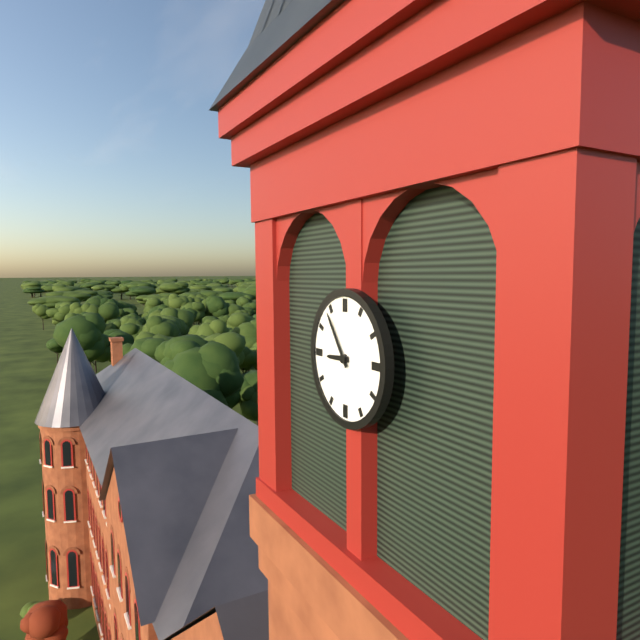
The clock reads **8:54**
